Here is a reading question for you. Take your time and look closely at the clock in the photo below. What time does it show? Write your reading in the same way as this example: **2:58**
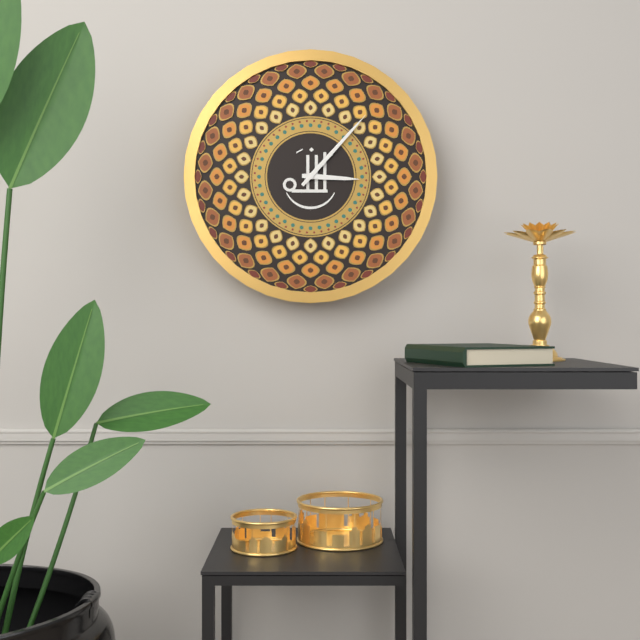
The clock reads **3:07**
